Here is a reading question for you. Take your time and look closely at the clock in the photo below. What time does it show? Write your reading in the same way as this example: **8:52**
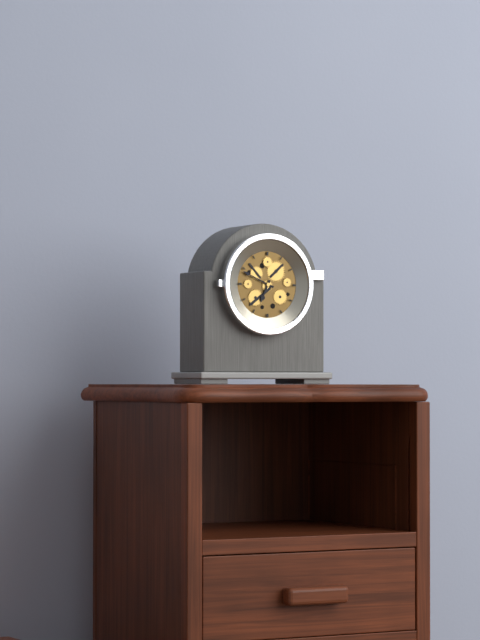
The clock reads **6:49**
